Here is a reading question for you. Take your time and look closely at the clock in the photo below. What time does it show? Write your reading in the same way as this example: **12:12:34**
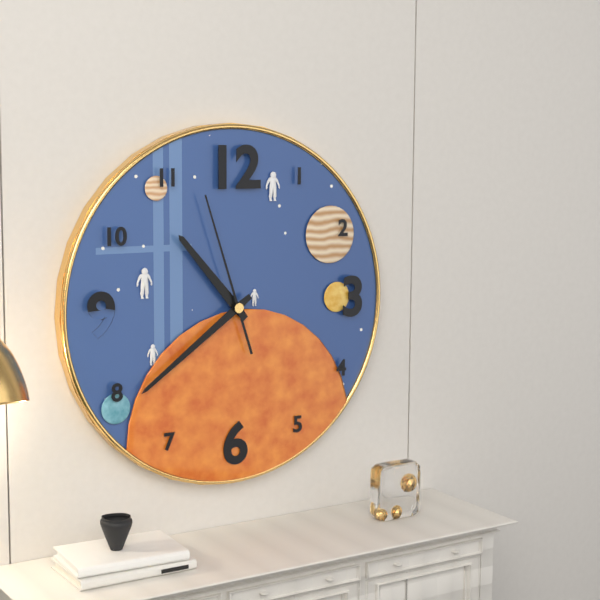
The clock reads **10:39:57**
